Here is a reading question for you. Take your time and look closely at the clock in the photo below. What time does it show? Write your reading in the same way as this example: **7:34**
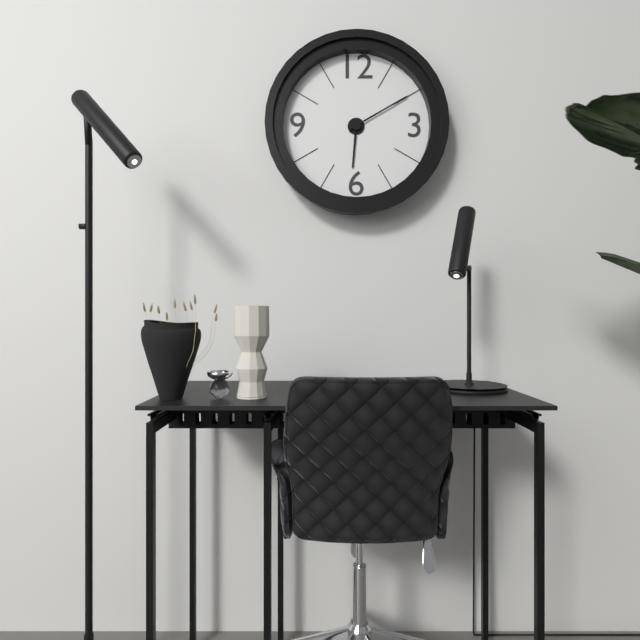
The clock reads **6:10**
